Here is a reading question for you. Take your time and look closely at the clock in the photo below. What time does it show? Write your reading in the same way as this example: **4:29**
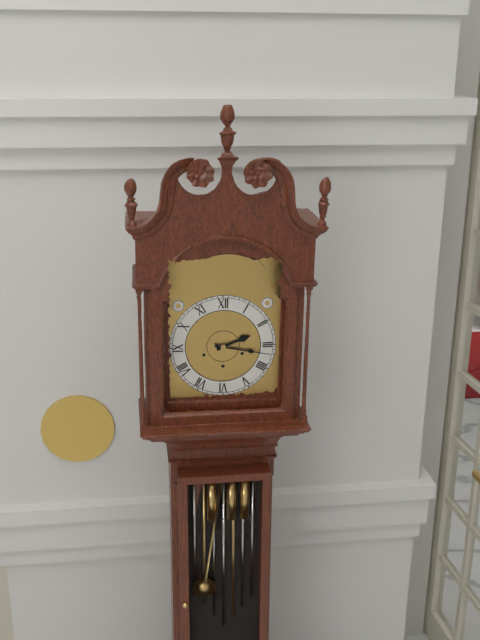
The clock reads **2:17**
